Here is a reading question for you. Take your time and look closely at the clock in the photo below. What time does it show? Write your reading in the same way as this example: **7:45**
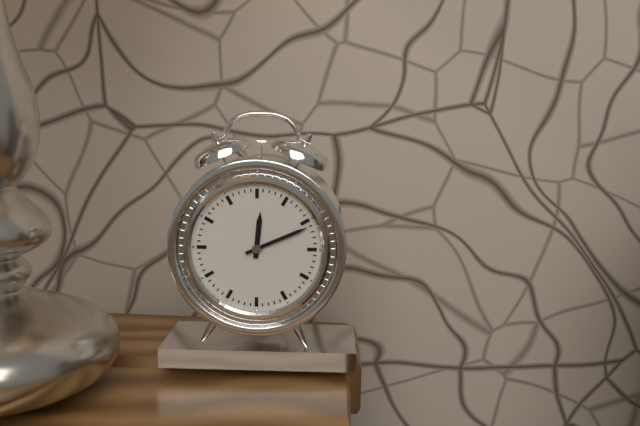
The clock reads **12:11**
